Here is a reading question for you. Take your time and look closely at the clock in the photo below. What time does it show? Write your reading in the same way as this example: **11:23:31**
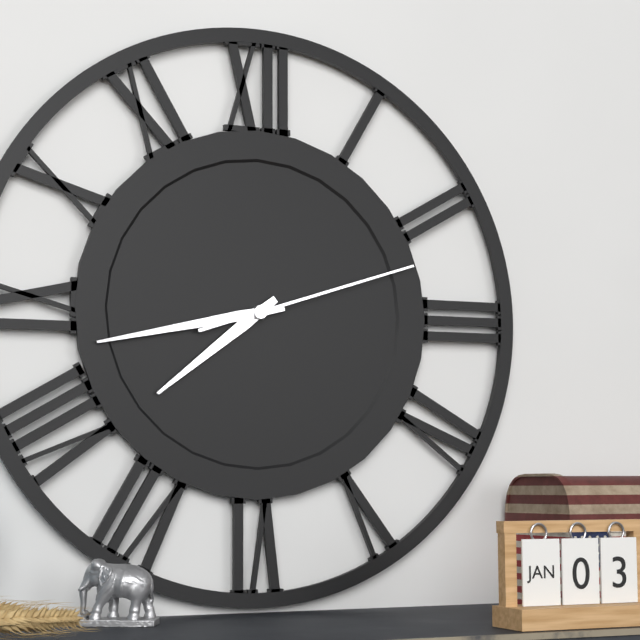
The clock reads **7:43:12**
